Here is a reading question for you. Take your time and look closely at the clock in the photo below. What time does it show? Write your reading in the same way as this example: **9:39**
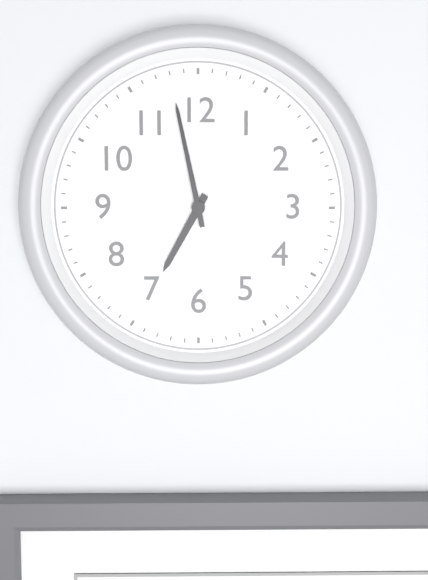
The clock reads **6:58**
